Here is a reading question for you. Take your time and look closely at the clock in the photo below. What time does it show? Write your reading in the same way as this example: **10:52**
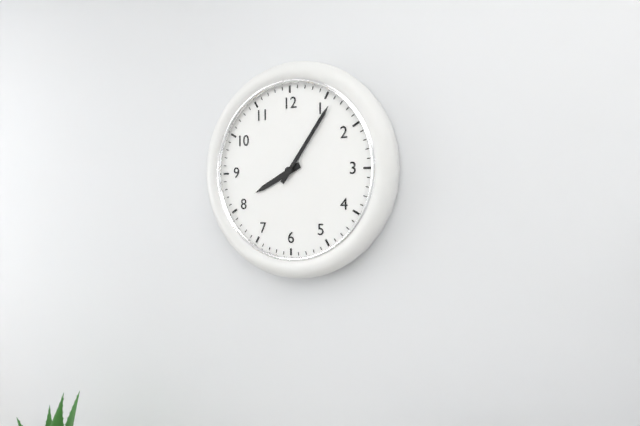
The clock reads **8:06**
